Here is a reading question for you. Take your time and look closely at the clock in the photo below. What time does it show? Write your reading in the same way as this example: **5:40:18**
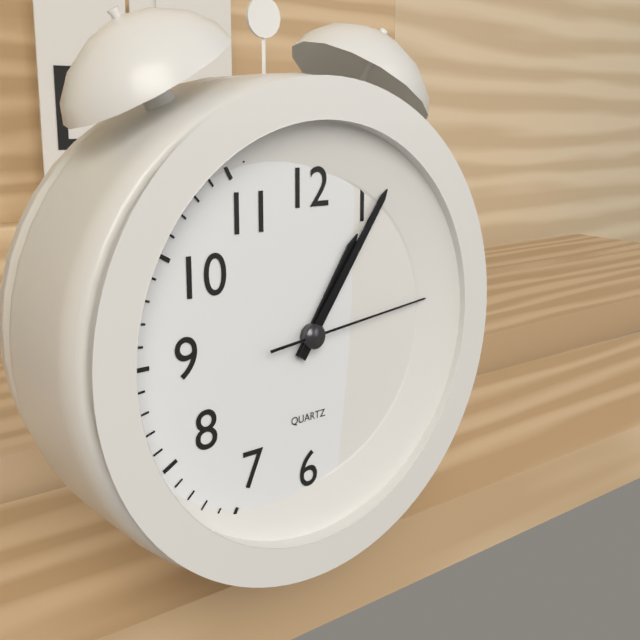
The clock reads **1:06:14**
